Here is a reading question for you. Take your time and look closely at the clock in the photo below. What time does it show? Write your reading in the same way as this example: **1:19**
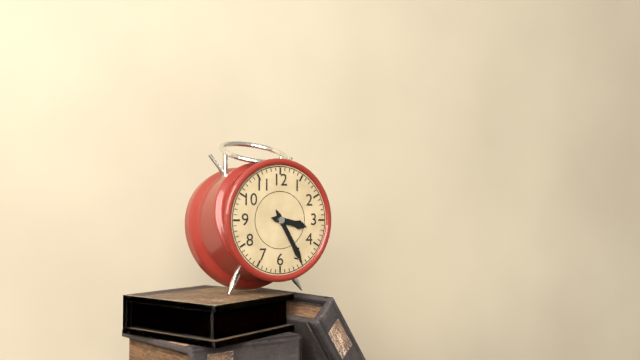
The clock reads **3:25**
